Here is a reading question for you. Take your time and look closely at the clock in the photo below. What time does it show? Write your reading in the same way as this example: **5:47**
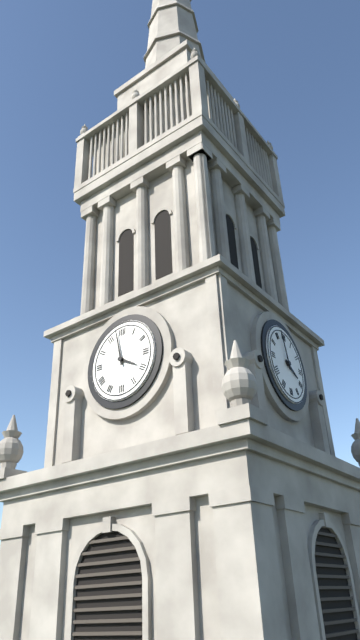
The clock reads **3:58**
